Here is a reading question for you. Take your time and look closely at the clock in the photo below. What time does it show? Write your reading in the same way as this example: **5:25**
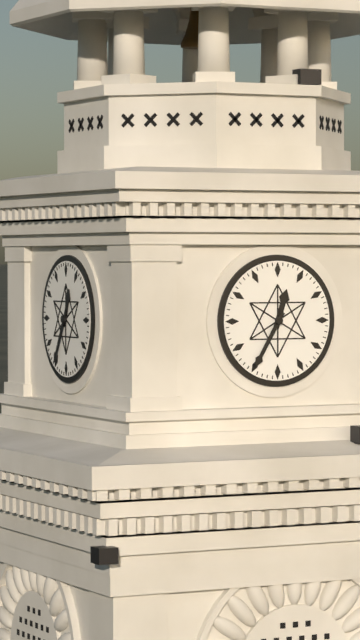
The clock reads **12:35**
